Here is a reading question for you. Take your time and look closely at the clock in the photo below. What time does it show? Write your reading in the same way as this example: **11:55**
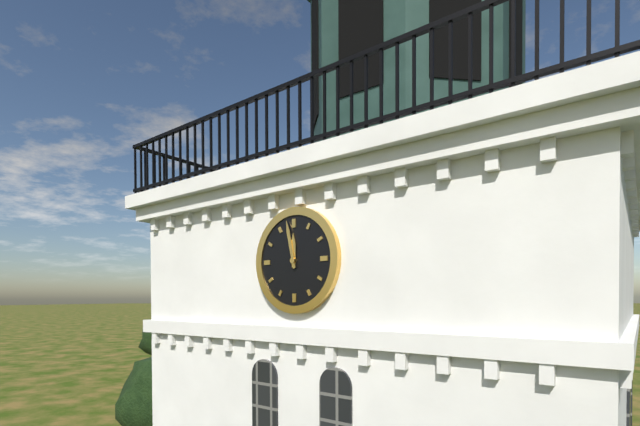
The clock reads **11:58**
